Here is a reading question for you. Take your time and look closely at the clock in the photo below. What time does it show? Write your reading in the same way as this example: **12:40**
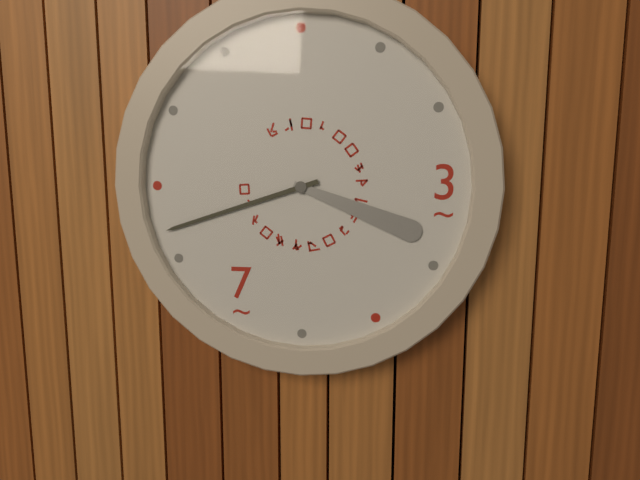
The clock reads **3:42**
